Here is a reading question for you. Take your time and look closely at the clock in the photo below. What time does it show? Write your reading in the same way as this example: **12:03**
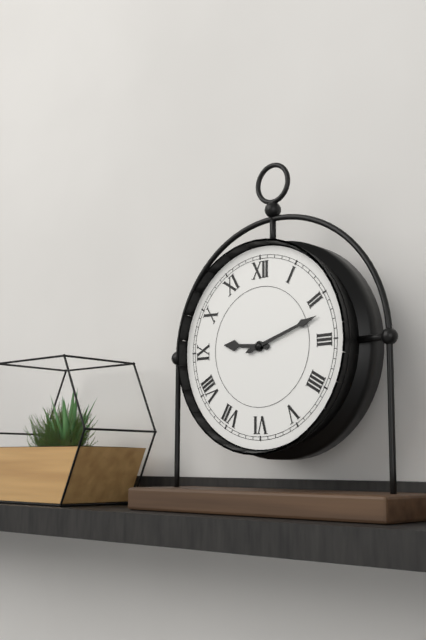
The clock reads **9:12**
